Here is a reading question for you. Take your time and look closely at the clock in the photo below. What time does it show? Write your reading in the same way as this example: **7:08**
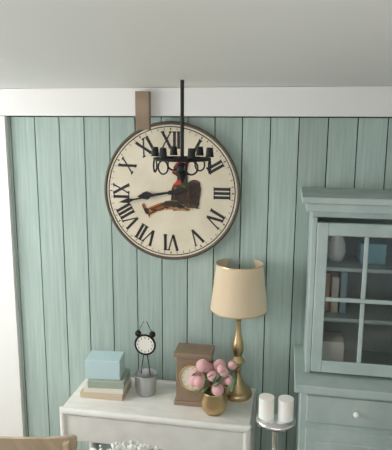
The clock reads **8:43**
